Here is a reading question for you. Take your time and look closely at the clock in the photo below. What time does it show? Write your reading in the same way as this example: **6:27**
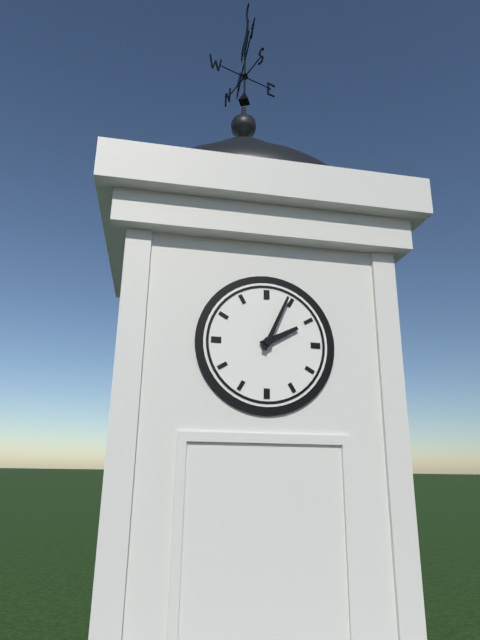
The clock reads **2:04**
